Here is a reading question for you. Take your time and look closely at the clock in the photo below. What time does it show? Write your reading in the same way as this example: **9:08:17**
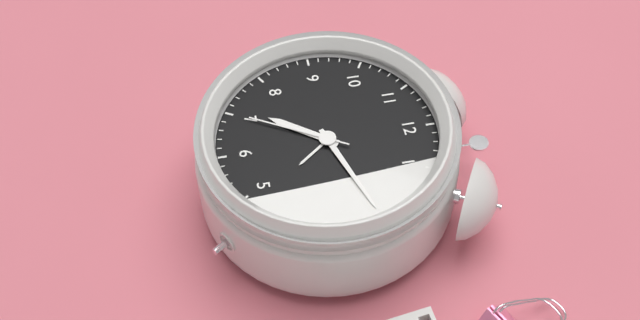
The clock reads **7:12:35**
